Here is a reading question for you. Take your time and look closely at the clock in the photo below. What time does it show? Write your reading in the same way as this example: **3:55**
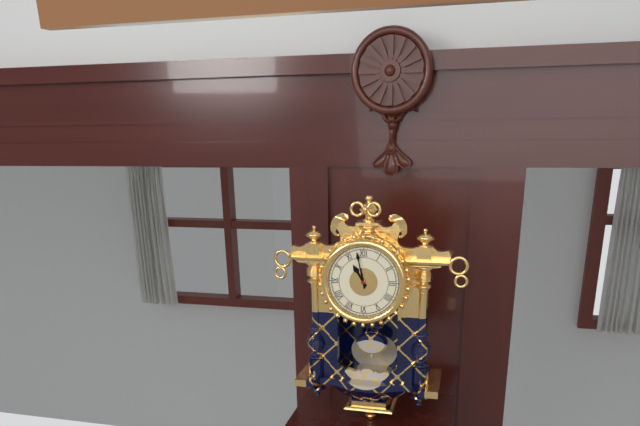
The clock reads **10:58**
